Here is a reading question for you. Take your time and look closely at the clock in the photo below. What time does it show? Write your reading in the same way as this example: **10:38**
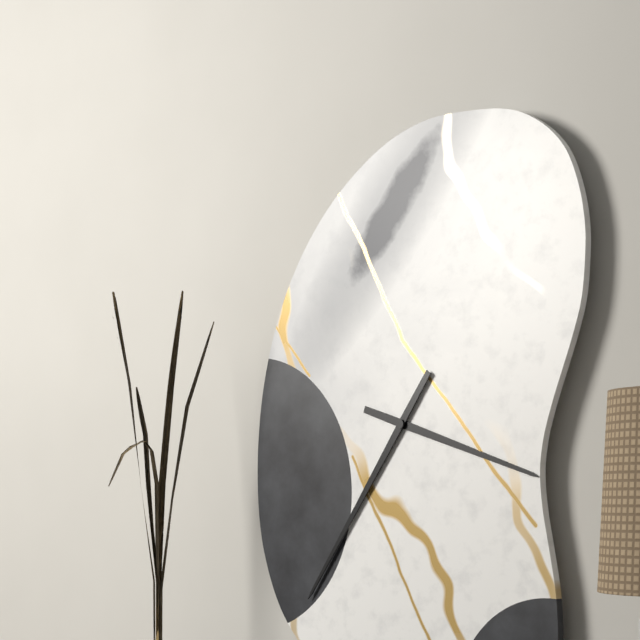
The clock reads **3:36**
